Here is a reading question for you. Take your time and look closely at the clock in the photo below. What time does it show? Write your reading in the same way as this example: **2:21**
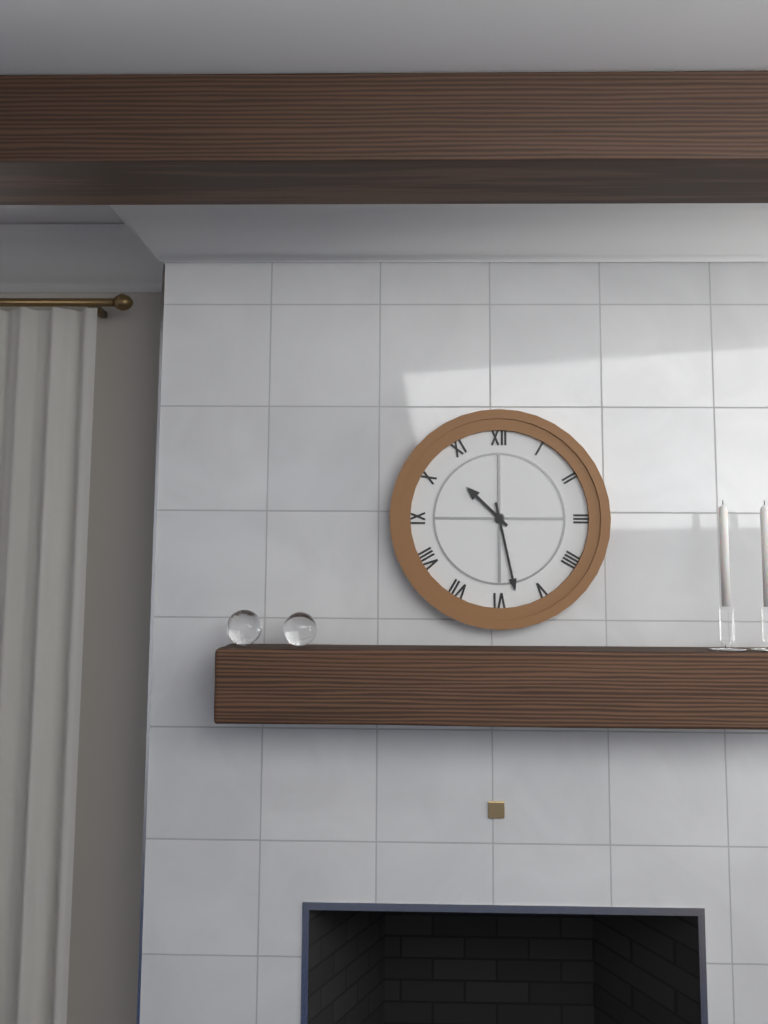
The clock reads **10:28**
